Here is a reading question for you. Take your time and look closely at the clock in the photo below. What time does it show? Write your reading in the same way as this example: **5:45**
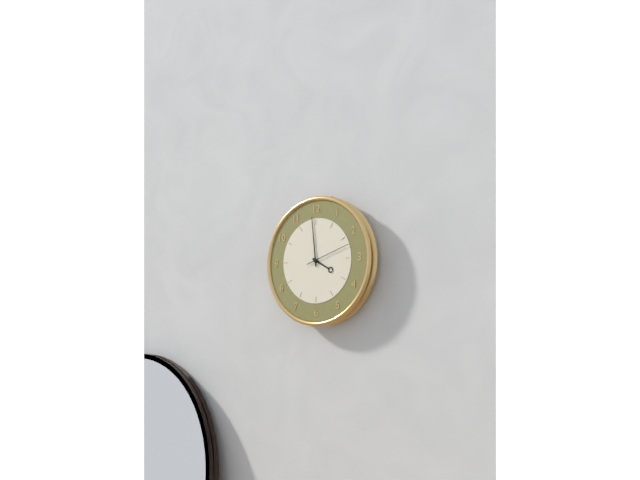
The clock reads **3:59**
